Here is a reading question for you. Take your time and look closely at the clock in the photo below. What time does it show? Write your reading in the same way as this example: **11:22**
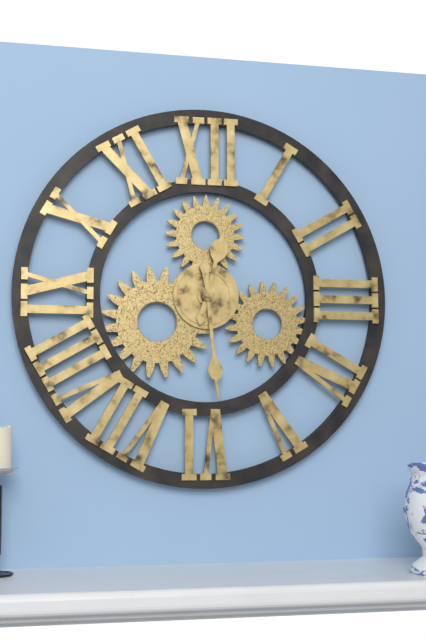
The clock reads **12:29**
